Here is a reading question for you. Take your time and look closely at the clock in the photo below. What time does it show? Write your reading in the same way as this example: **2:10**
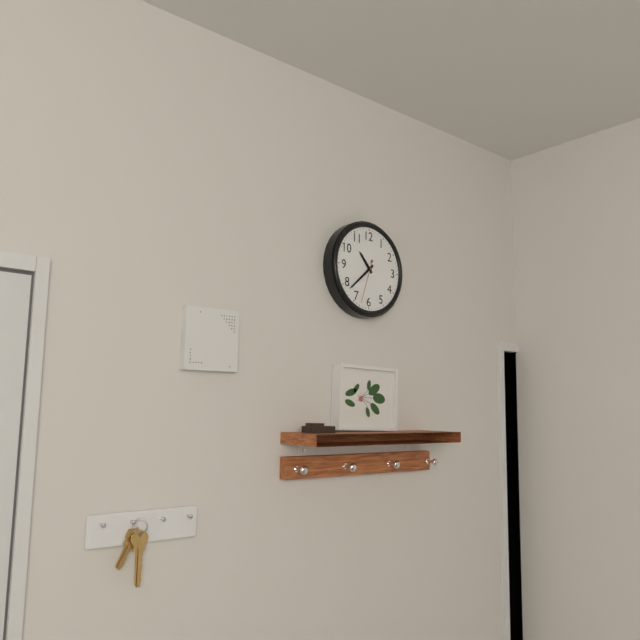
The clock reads **10:38**
